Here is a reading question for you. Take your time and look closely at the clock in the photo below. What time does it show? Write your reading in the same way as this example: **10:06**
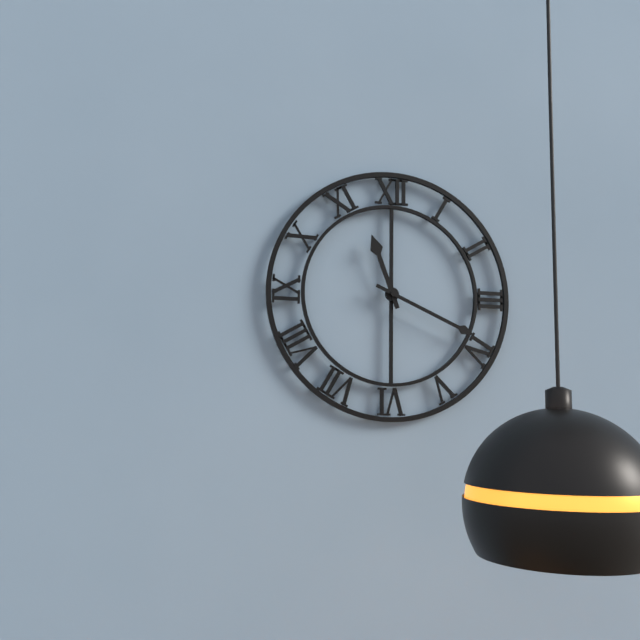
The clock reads **11:19**
